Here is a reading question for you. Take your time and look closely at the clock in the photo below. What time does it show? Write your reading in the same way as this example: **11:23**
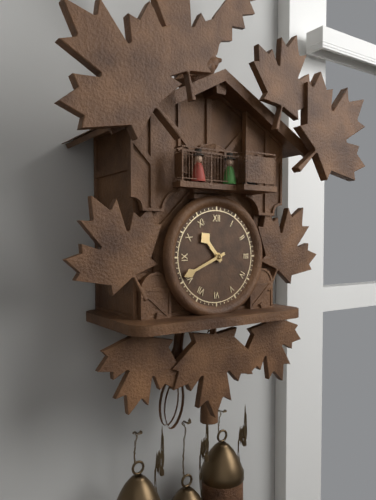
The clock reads **10:41**
